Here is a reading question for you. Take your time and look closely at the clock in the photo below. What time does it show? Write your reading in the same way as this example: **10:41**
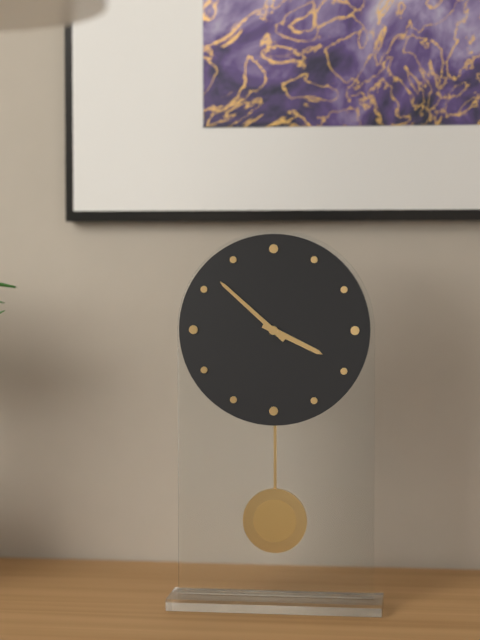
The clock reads **3:52**
